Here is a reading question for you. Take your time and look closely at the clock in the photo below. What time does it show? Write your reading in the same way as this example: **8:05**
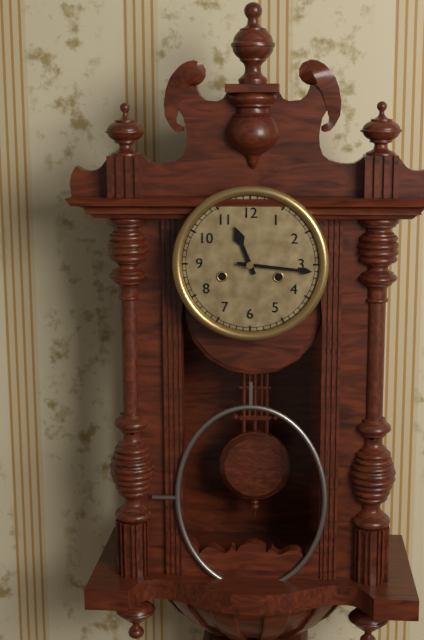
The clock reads **11:16**
